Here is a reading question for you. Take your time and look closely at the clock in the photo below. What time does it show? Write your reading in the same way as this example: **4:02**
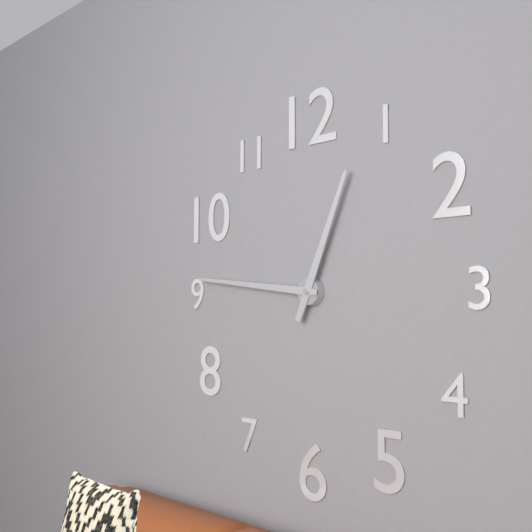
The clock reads **12:46**
